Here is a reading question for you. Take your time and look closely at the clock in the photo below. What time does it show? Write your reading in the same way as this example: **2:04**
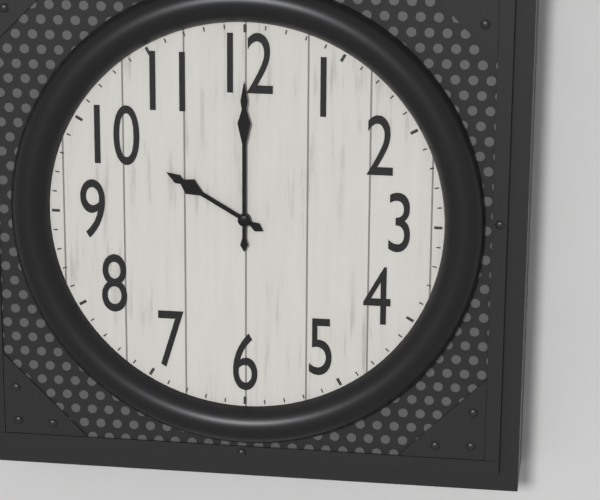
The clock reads **10:00**
